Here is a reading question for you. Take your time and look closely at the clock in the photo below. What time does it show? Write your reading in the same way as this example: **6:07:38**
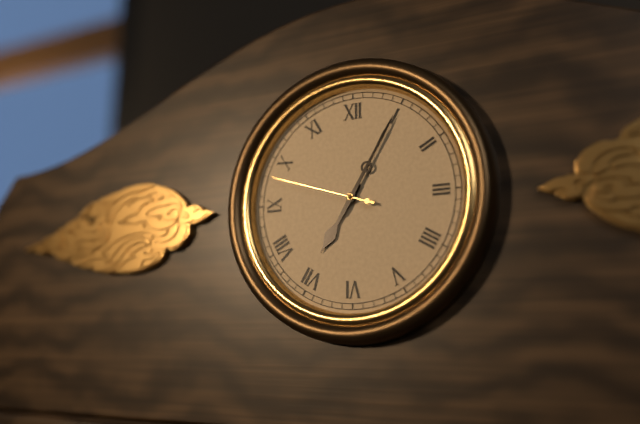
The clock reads **7:05:48**
